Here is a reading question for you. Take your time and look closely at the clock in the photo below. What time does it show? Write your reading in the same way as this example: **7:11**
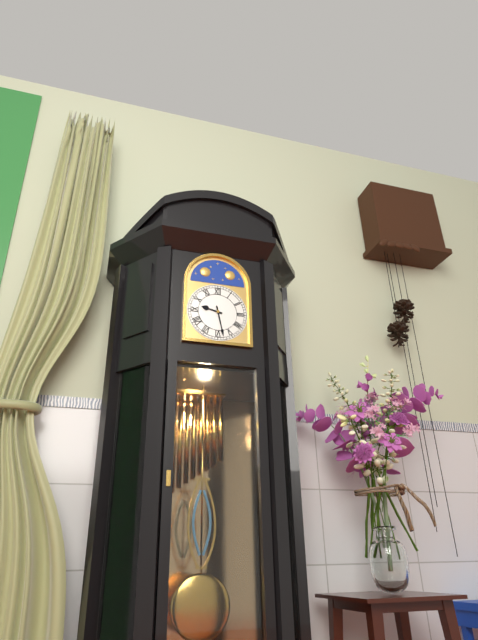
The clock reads **9:28**
